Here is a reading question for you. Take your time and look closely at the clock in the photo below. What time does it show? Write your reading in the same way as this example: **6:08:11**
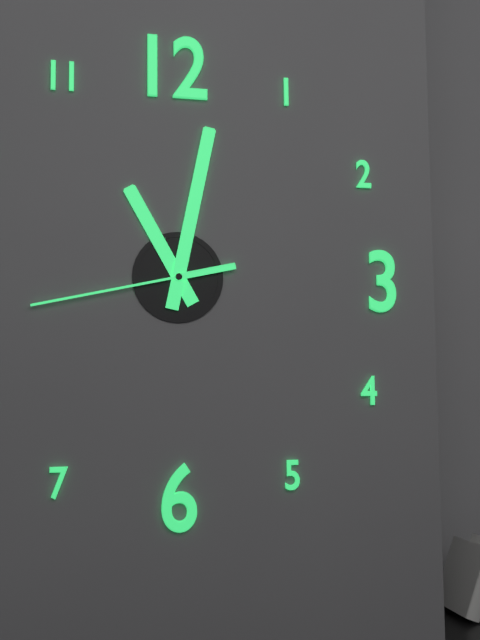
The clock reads **11:02:43**
